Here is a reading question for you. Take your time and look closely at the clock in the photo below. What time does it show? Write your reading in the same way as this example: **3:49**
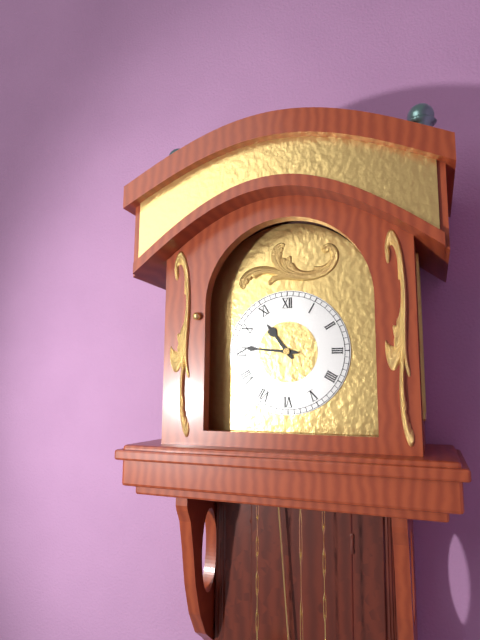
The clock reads **10:46**
